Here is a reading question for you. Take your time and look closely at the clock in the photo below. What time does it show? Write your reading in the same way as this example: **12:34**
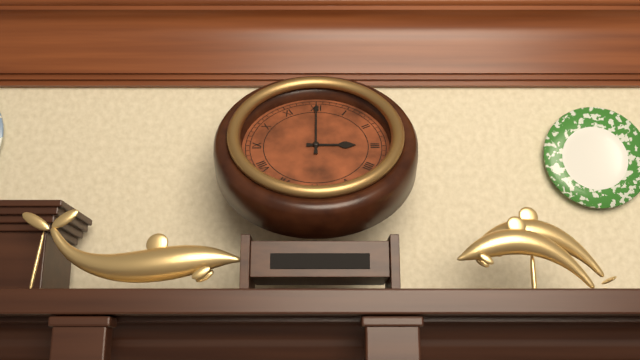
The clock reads **3:00**
